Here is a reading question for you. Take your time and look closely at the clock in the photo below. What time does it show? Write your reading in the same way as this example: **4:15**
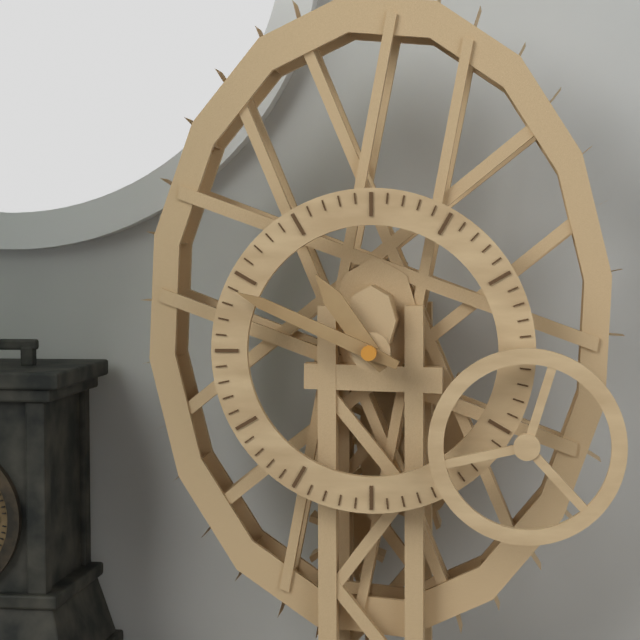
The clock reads **10:49**
